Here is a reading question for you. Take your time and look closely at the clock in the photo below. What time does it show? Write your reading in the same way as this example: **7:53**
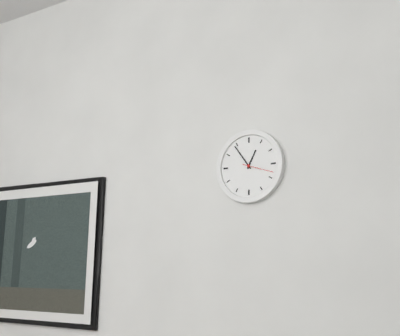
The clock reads **12:54**
